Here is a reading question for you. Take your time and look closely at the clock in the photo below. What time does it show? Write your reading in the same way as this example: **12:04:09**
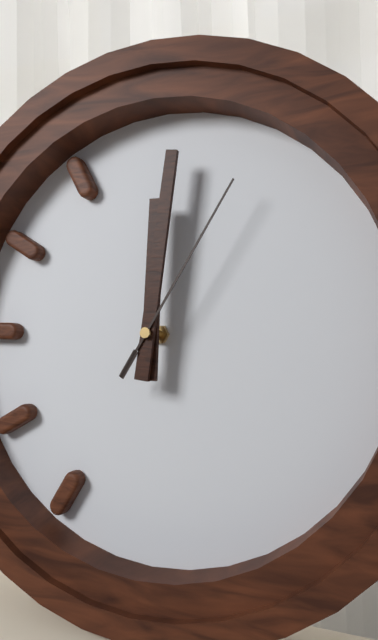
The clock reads **12:01:05**
